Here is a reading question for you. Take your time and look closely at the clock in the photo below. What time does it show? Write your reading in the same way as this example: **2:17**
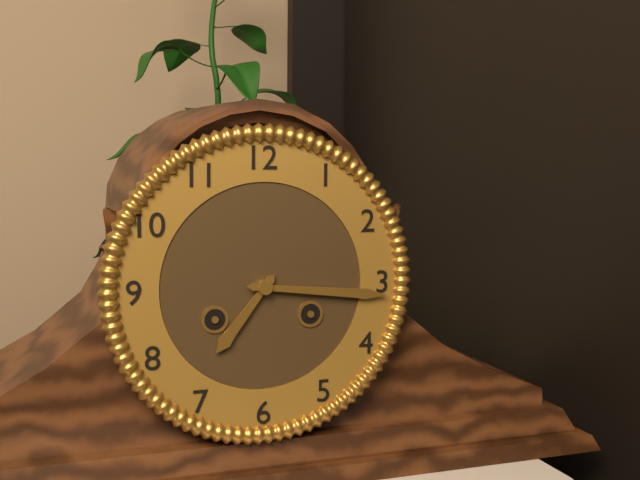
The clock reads **7:16**
